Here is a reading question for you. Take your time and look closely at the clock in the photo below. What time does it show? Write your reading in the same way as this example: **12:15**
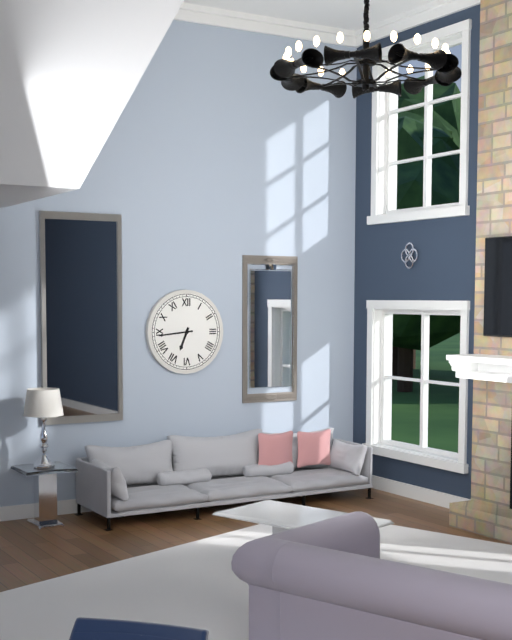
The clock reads **6:44**
